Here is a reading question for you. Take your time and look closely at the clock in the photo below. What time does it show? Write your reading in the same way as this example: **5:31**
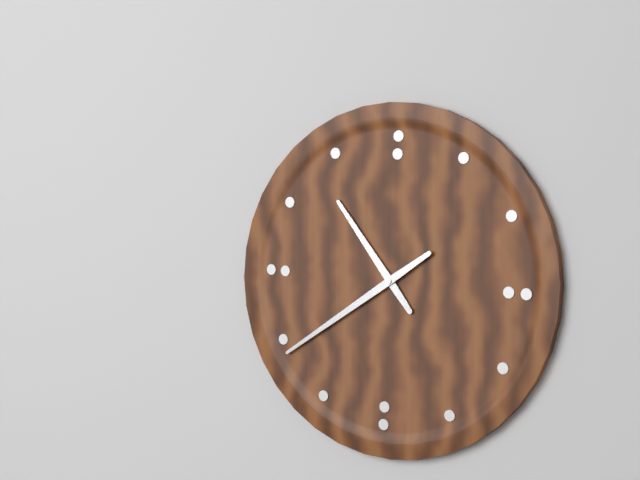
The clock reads **10:39**
